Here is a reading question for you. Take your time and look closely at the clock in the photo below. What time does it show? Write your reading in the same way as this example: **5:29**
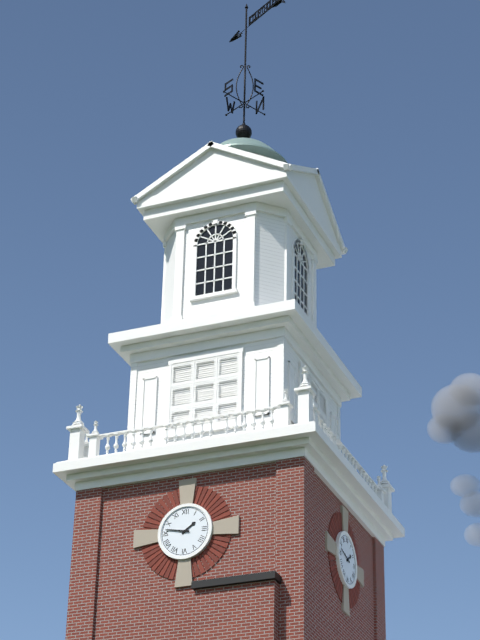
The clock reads **1:47**
